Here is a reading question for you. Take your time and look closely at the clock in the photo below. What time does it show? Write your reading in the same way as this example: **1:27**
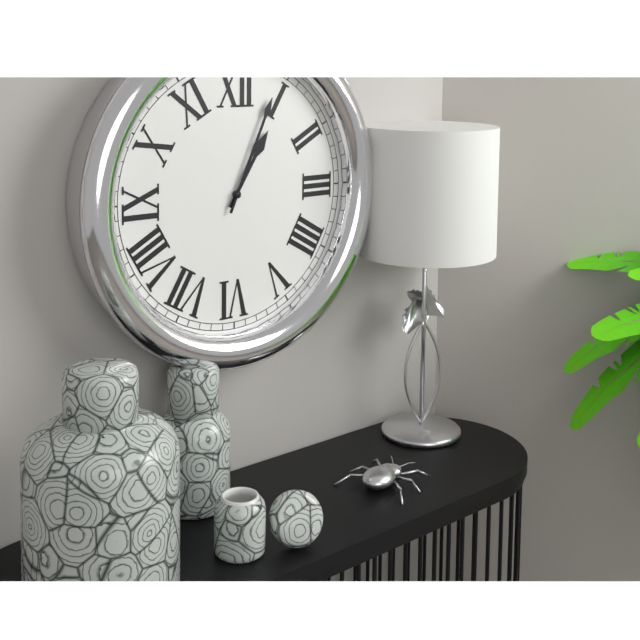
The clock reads **1:04**
